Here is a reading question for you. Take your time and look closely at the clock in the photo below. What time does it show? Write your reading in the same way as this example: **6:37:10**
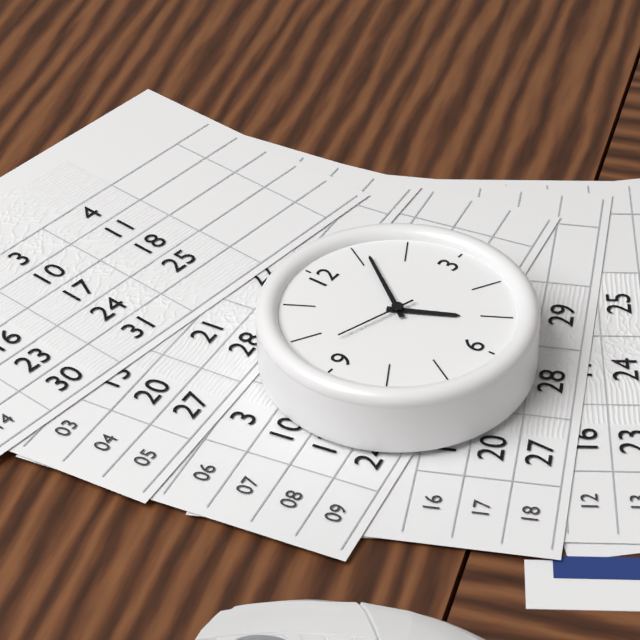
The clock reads **5:06:48**
